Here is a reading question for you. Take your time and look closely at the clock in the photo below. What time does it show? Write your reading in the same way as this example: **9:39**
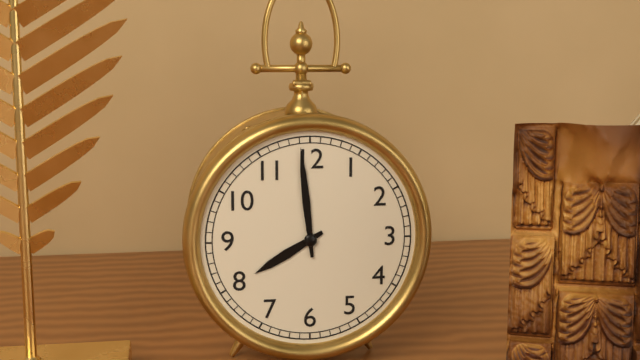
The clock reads **7:59**
